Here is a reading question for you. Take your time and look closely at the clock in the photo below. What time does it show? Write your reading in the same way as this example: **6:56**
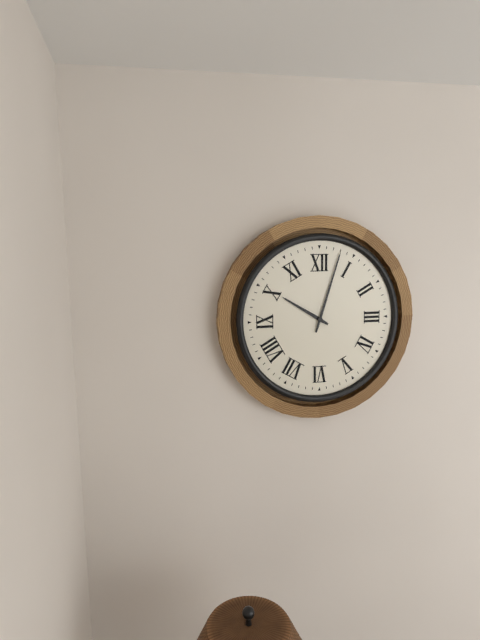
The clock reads **10:03**
